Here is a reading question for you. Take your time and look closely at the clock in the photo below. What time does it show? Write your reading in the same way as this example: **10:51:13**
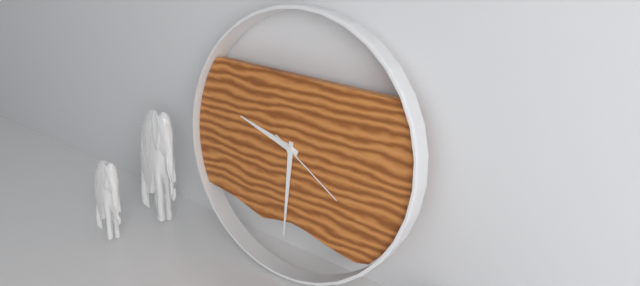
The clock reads **9:30:20**
